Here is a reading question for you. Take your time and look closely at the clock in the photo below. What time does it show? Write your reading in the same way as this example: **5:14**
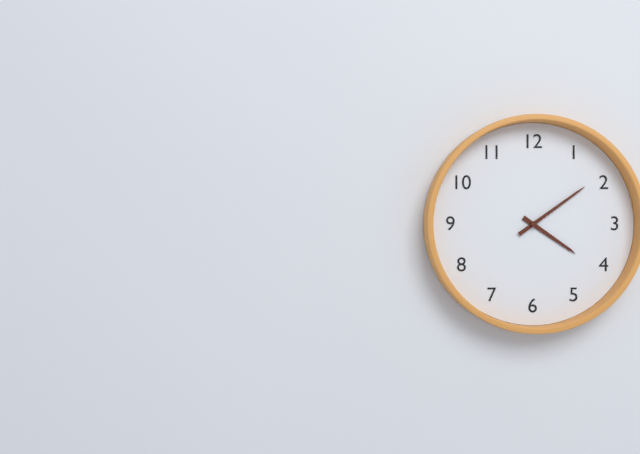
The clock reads **4:09**
